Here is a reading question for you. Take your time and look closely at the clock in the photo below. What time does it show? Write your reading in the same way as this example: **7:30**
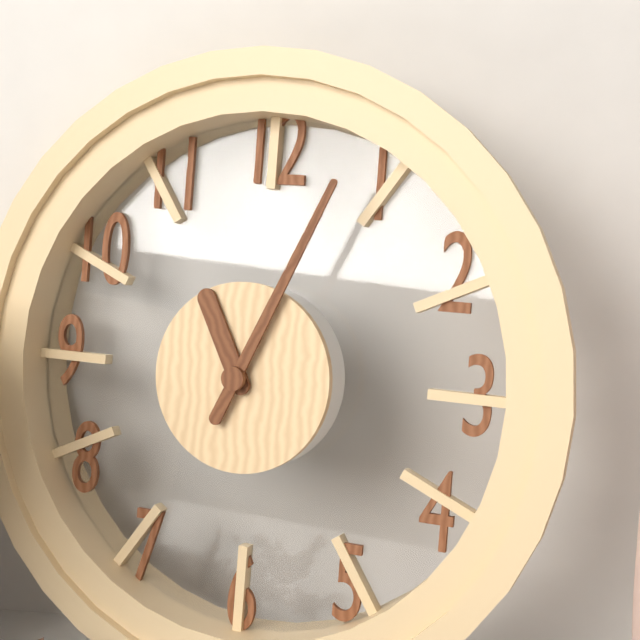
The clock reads **11:04**
